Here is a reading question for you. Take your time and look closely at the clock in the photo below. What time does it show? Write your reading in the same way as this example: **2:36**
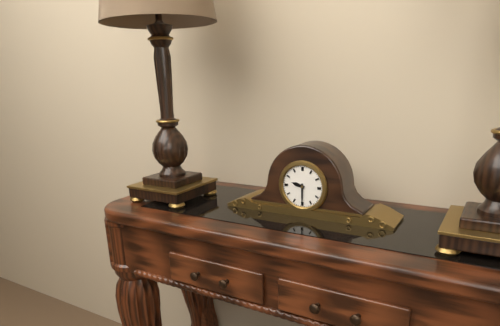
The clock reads **9:30**
